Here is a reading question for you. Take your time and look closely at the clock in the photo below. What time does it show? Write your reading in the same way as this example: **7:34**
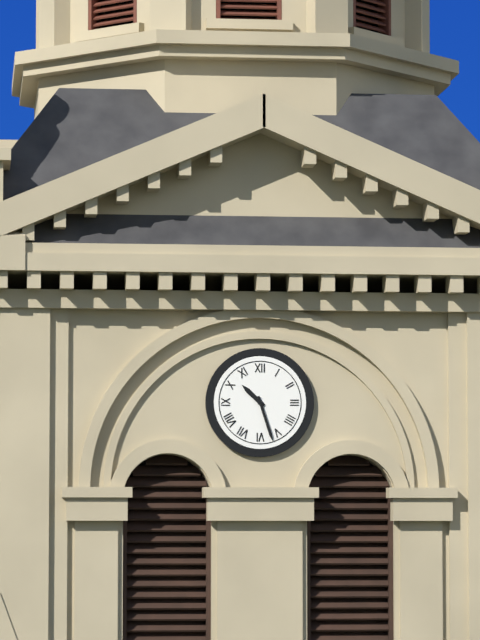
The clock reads **10:27**
